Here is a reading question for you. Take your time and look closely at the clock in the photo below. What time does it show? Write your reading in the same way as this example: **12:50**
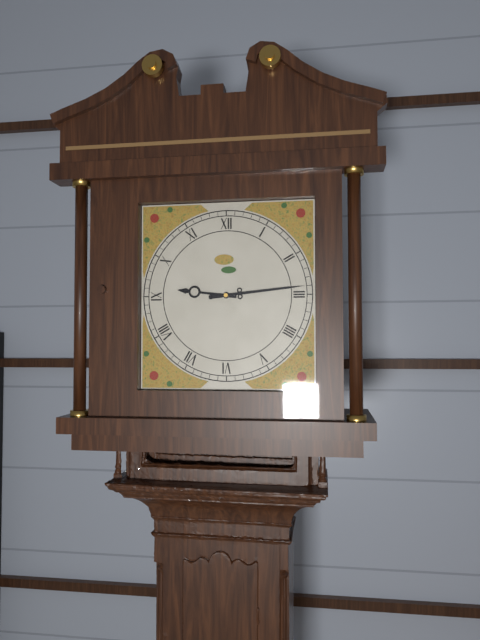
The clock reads **9:14**
